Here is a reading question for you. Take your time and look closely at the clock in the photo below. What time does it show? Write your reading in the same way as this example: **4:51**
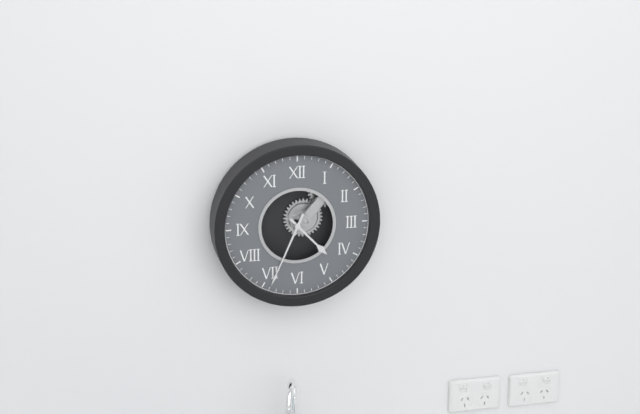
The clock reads **4:34**
